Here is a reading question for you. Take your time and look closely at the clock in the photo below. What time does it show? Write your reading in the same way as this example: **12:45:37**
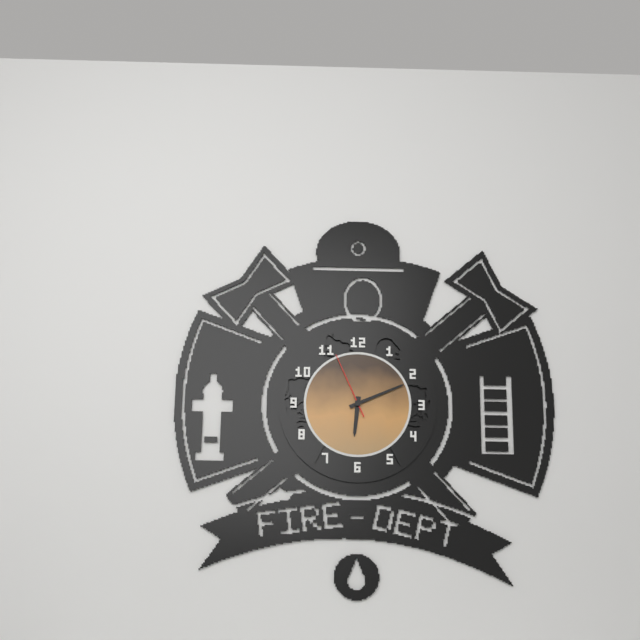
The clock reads **6:11:56**
